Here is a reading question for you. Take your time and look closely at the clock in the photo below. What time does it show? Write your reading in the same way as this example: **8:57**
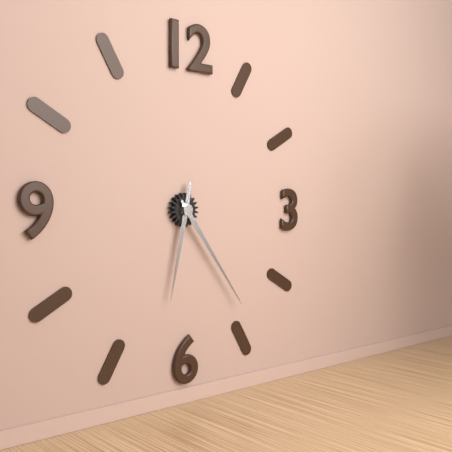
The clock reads **6:24**
